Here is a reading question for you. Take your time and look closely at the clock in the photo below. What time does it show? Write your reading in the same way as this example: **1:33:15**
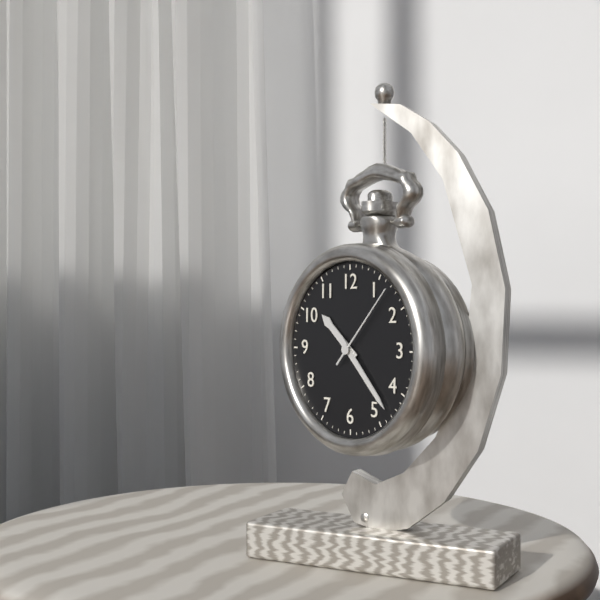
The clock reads **10:23:07**
